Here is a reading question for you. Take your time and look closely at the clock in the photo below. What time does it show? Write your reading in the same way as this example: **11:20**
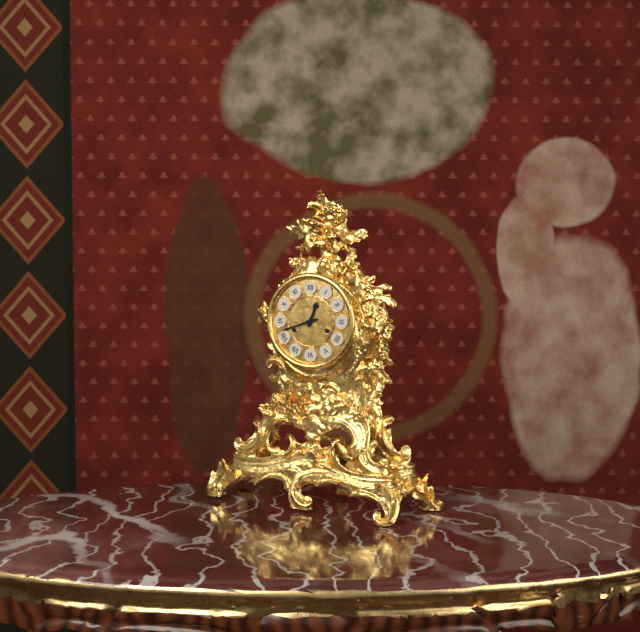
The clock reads **12:42**
